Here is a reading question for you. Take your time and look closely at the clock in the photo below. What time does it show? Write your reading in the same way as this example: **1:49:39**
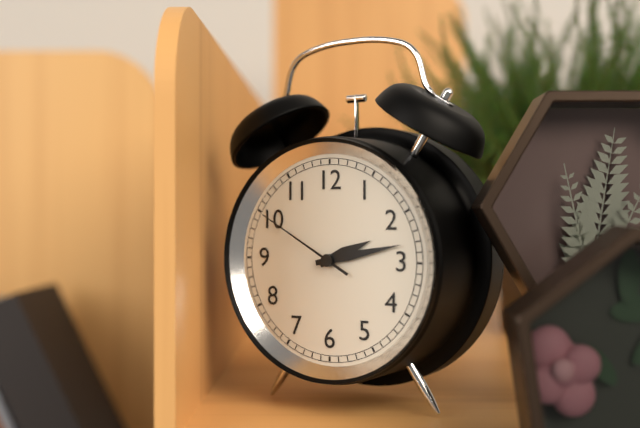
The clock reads **2:13:50**
